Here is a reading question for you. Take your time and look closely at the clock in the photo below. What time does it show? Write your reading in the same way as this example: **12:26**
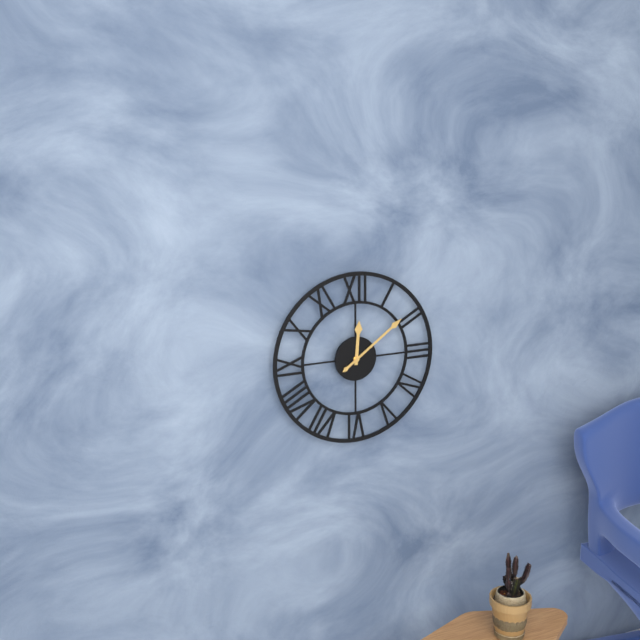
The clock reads **12:09**
